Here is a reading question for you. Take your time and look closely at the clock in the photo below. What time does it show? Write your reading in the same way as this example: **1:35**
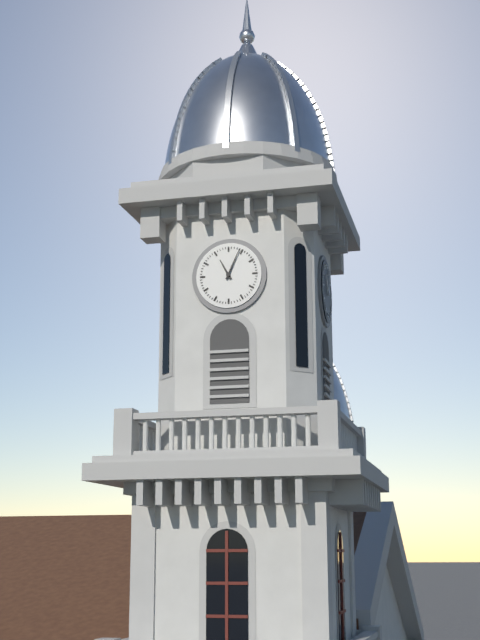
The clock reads **11:04**
